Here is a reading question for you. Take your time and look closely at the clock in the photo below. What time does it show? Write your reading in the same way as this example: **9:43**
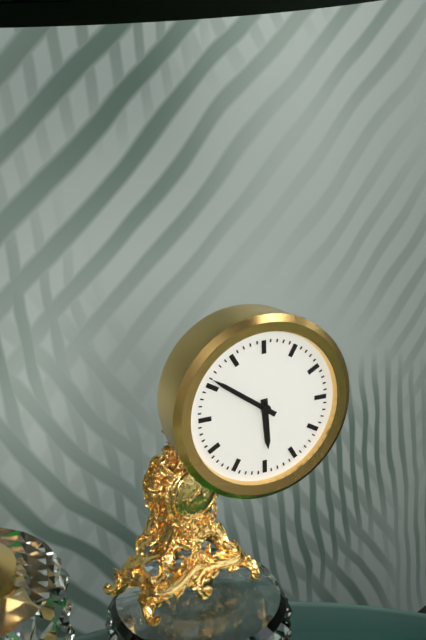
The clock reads **5:51**
